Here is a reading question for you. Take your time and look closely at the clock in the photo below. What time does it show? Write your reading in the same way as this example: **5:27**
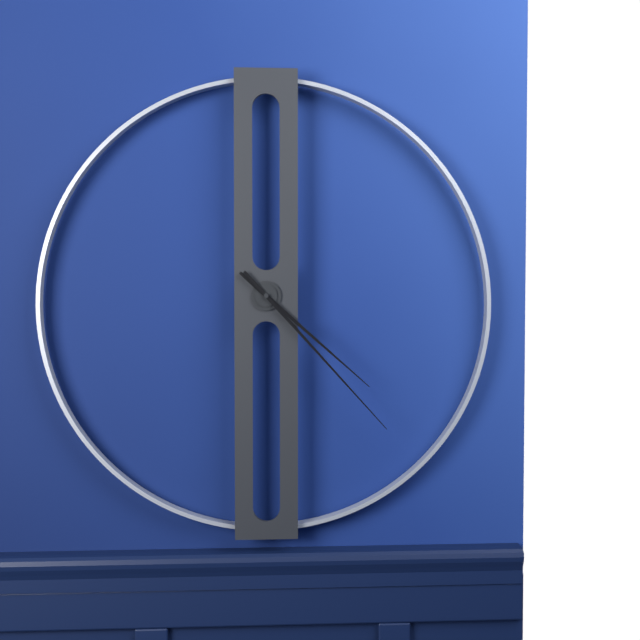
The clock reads **4:23**
